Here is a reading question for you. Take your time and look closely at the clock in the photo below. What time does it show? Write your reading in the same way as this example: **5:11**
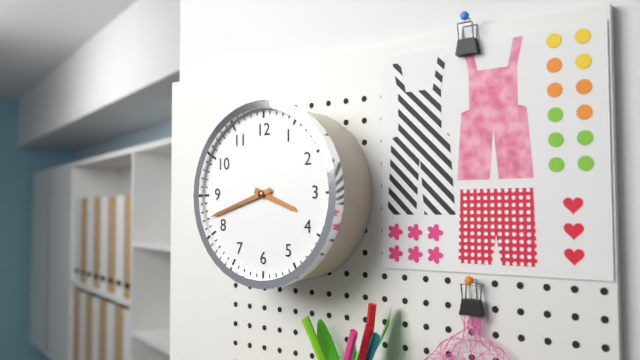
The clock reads **3:42**
